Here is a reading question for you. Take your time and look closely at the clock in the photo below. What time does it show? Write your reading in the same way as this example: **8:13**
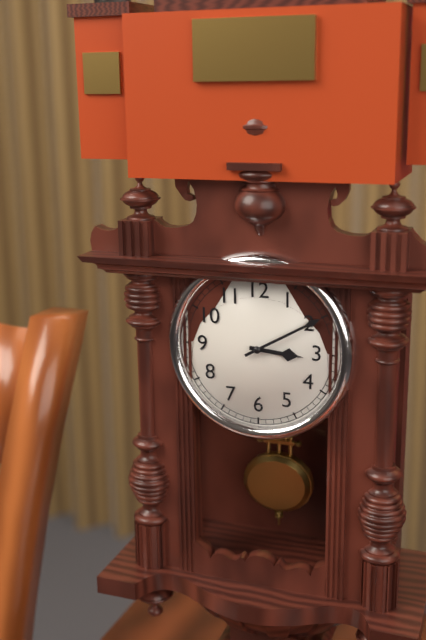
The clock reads **3:10**
